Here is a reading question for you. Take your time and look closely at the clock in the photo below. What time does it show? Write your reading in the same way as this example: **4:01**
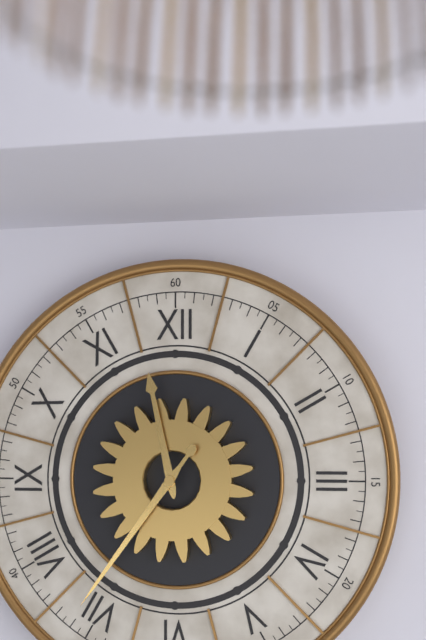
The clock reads **11:36**
